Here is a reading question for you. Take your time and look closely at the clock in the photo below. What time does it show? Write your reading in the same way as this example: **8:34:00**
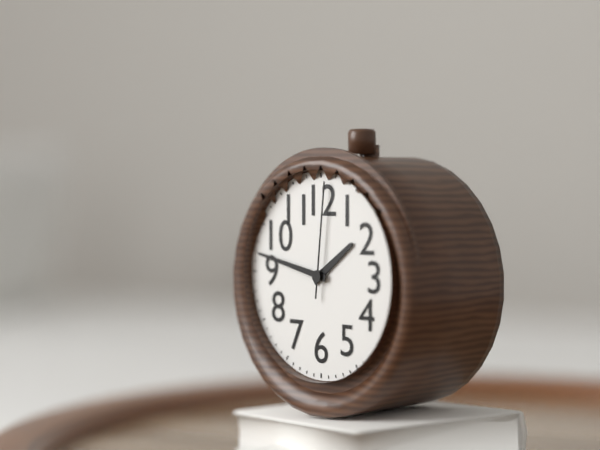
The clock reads **1:47:01**
